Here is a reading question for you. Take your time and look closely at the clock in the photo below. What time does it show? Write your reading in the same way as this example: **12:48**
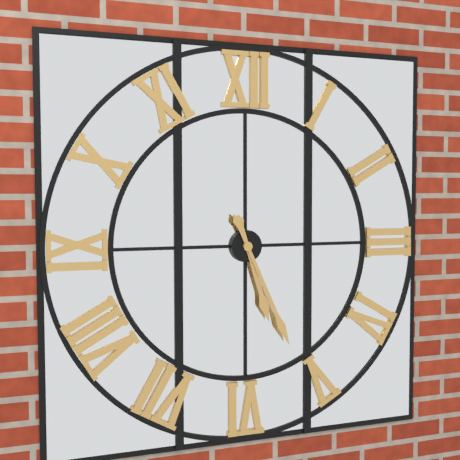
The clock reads **5:26**
